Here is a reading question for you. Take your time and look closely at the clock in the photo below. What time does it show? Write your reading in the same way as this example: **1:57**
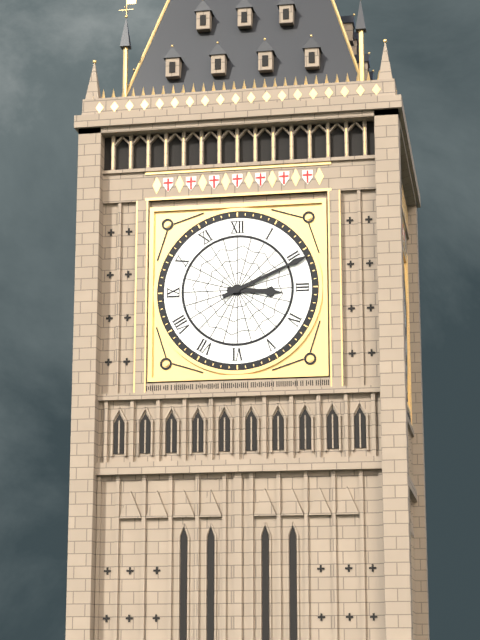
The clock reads **3:11**
